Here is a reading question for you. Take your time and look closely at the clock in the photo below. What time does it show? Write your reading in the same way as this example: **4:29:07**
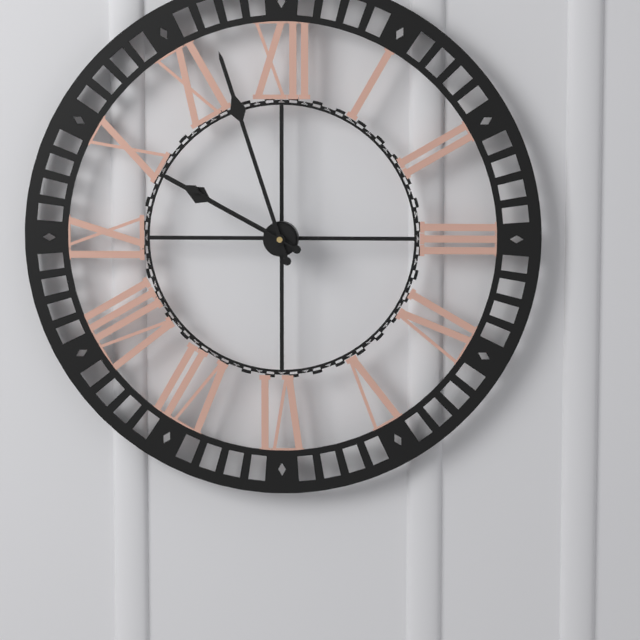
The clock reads **9:57:50**
